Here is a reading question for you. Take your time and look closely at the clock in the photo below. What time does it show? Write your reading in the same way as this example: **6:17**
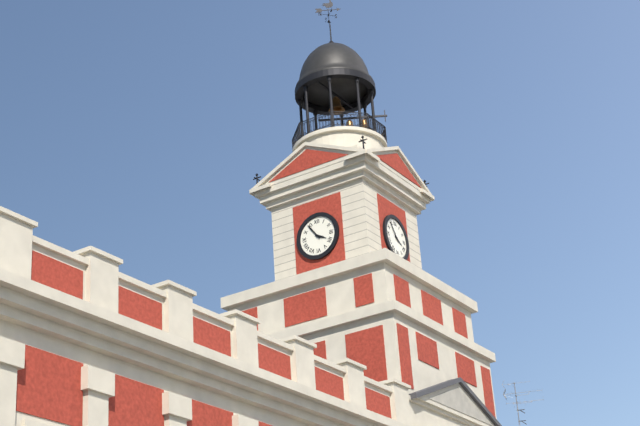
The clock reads **3:54**
